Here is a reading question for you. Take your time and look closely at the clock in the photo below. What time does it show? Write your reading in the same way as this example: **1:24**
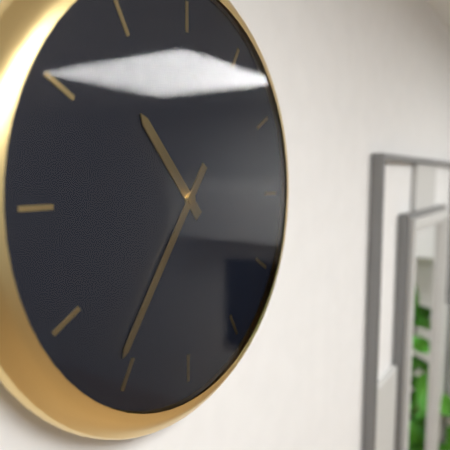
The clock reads **10:36**
